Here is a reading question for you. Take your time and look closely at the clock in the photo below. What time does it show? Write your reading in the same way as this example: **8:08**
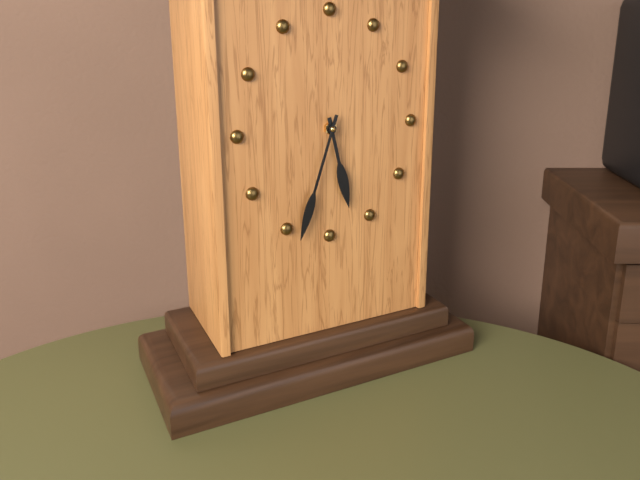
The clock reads **5:33**
